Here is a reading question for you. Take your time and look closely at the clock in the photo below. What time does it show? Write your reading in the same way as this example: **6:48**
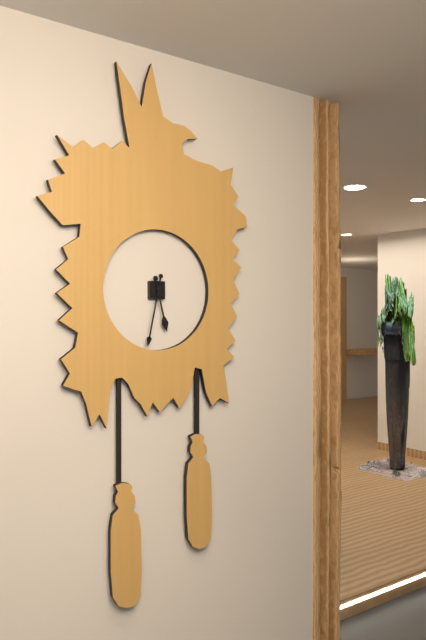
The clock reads **5:32**
